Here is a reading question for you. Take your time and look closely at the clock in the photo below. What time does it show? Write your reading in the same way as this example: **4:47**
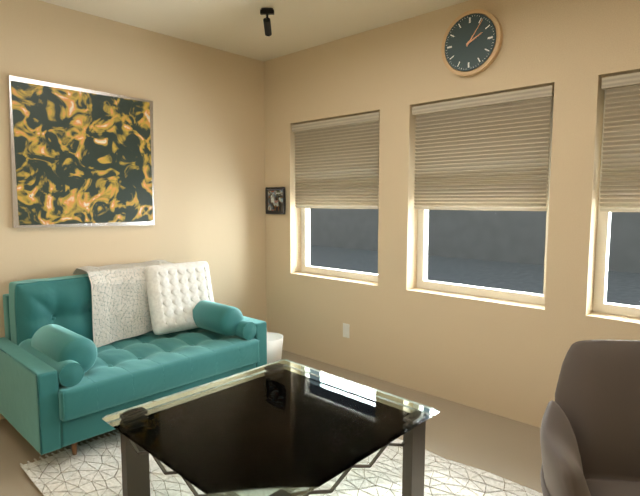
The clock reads **2:06**
